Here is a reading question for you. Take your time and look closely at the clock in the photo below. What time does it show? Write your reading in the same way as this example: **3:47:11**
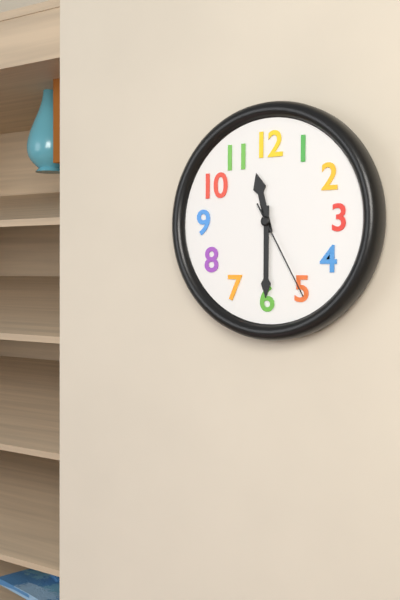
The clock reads **11:30:25**
